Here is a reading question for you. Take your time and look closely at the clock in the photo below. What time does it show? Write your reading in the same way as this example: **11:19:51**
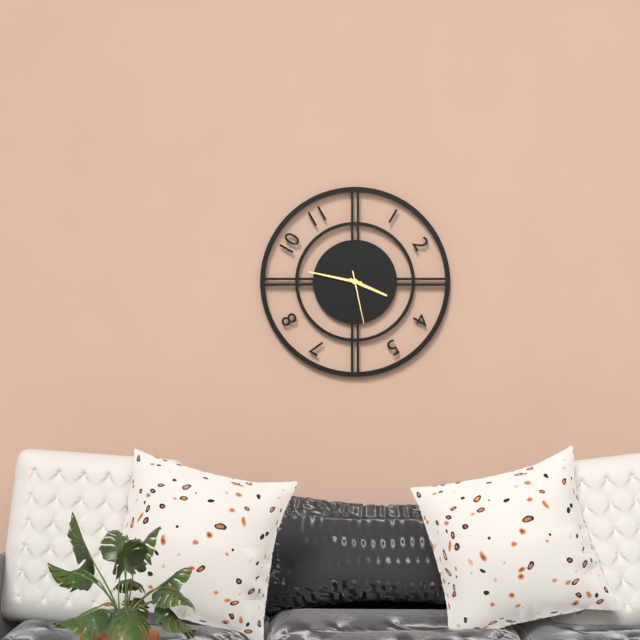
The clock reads **3:47:28**
